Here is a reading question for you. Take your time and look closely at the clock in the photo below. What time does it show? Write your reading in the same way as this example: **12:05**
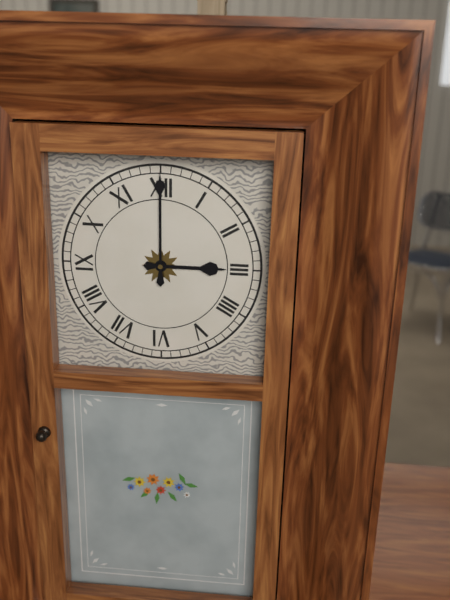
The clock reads **3:00**
